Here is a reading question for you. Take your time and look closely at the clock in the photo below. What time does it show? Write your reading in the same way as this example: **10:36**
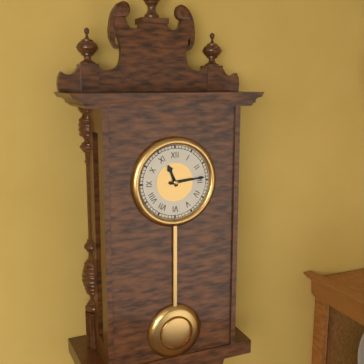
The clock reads **11:14**
